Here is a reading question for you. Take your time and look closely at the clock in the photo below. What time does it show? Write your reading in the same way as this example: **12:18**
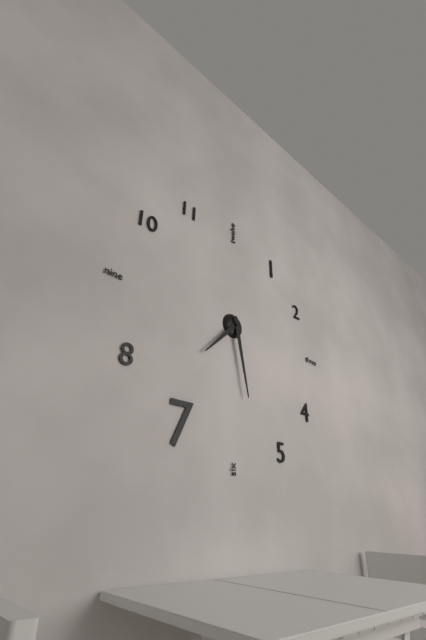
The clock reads **7:28**
